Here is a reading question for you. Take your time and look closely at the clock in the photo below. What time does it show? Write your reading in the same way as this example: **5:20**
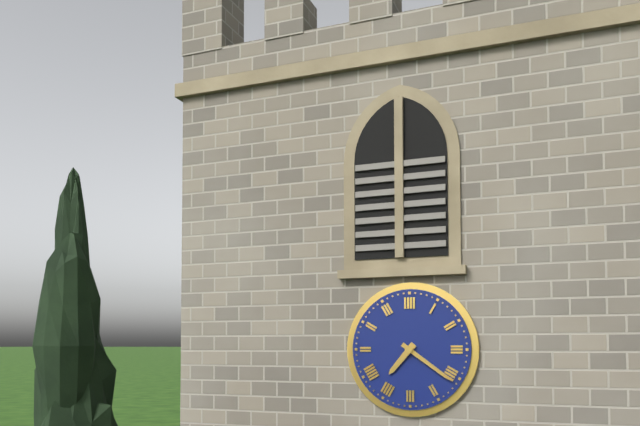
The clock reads **7:21**
